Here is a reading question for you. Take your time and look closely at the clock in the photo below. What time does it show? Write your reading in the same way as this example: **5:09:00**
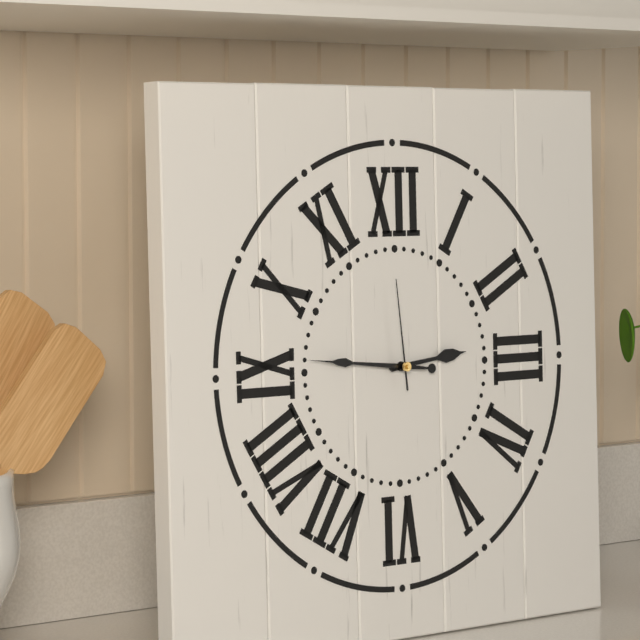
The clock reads **2:46:59**
